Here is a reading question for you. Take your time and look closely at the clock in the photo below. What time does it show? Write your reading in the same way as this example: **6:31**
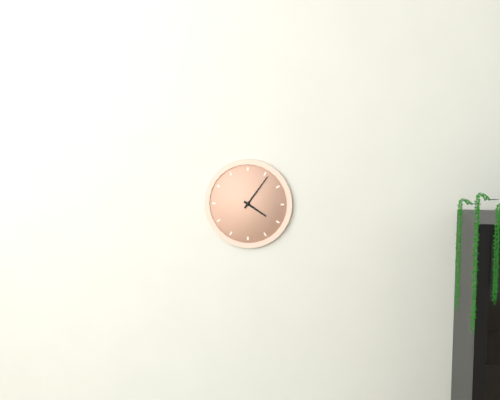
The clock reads **4:06**
